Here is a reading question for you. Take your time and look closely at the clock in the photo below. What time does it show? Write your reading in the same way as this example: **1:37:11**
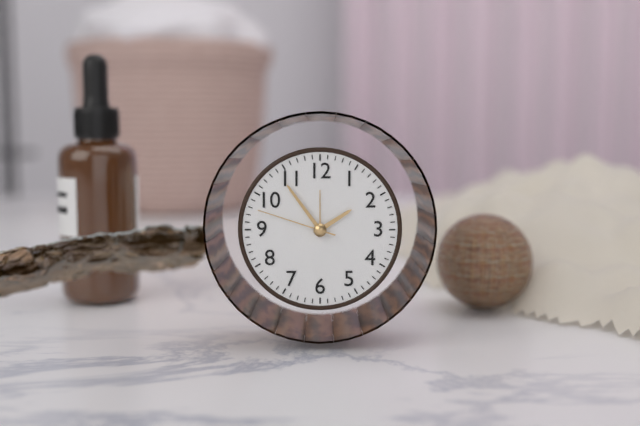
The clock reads **1:54:48**
